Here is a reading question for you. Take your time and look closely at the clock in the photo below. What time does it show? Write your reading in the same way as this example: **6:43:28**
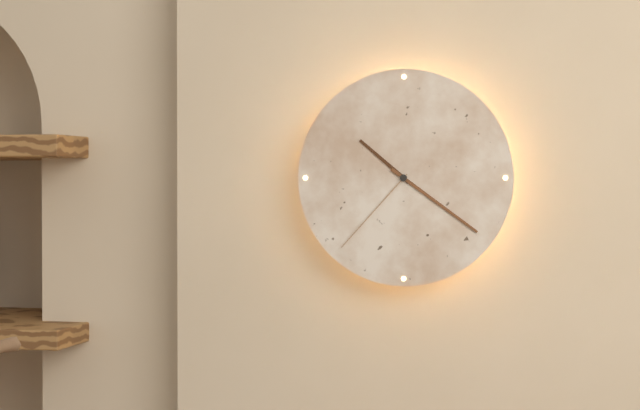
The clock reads **10:21:37**
